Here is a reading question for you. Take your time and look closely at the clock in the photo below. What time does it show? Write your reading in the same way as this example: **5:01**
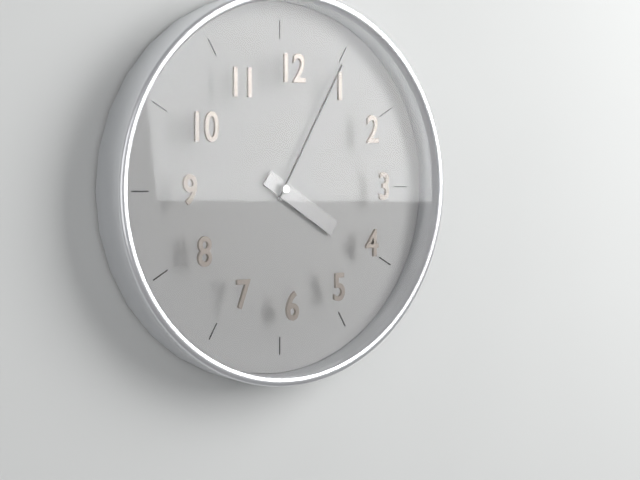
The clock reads **4:05**
